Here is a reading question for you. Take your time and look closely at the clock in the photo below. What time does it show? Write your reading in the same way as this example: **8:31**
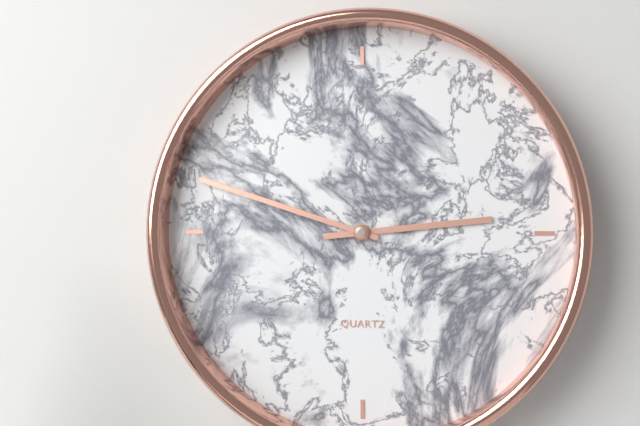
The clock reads **2:48**
